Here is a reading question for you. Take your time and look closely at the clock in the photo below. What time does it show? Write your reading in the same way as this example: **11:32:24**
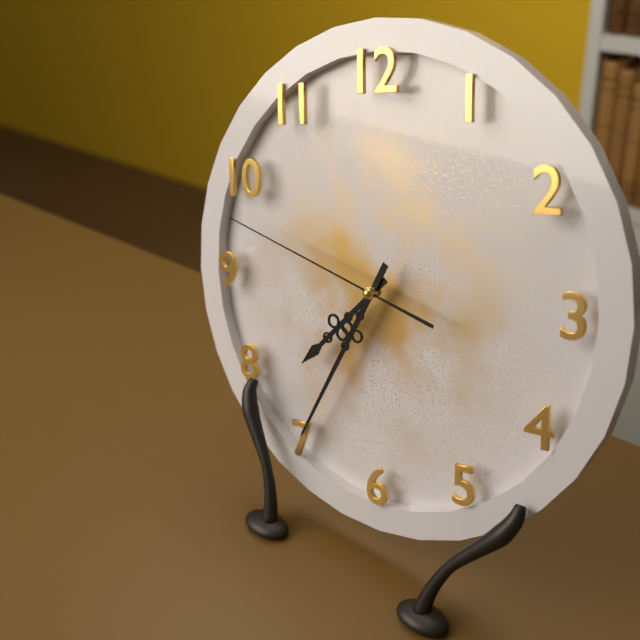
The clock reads **7:35:48**
